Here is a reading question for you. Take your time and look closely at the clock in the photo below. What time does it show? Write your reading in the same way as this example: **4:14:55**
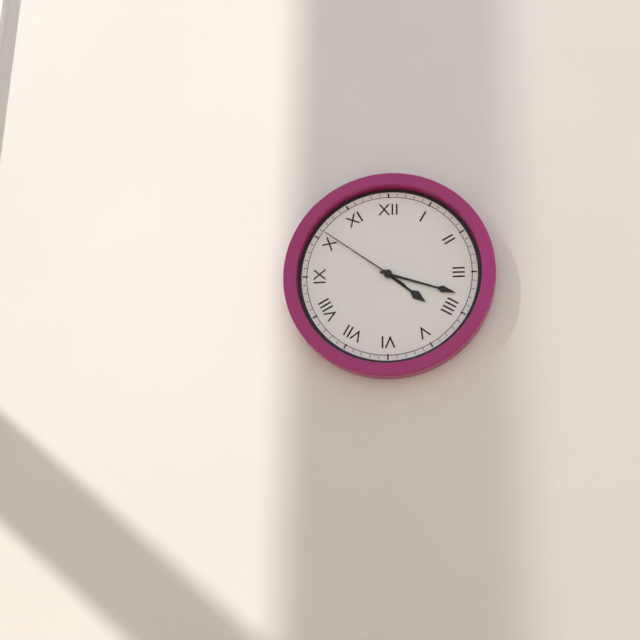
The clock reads **4:18:51**
